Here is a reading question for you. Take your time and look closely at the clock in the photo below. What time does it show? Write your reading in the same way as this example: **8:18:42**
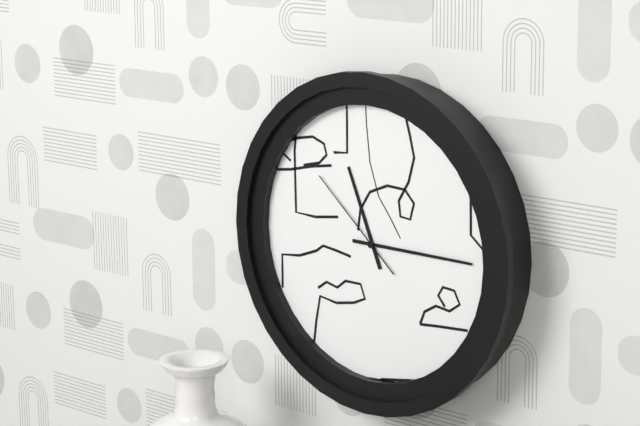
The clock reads **11:15:52**
